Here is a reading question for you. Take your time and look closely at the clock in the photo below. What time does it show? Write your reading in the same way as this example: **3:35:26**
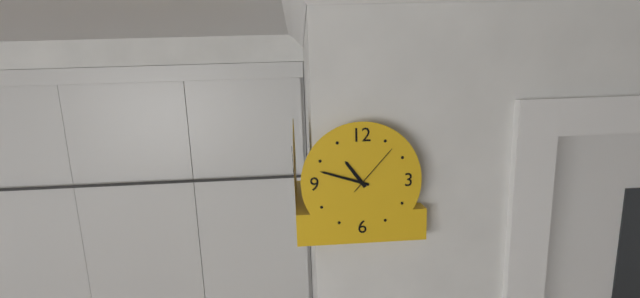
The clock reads **10:48:07**
